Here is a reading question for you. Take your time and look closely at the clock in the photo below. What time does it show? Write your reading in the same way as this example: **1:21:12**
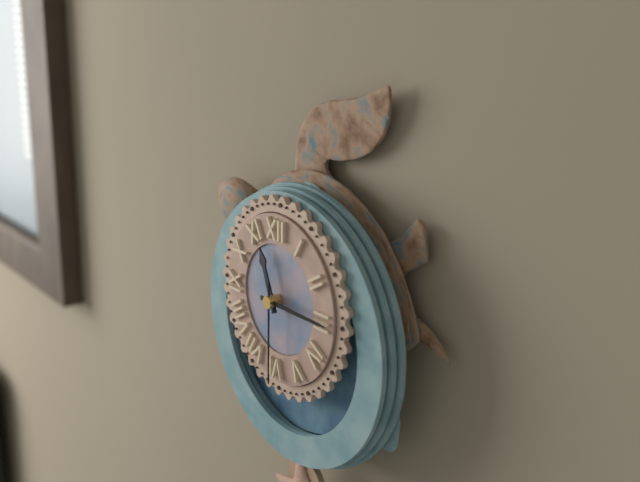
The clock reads **11:15:30**
